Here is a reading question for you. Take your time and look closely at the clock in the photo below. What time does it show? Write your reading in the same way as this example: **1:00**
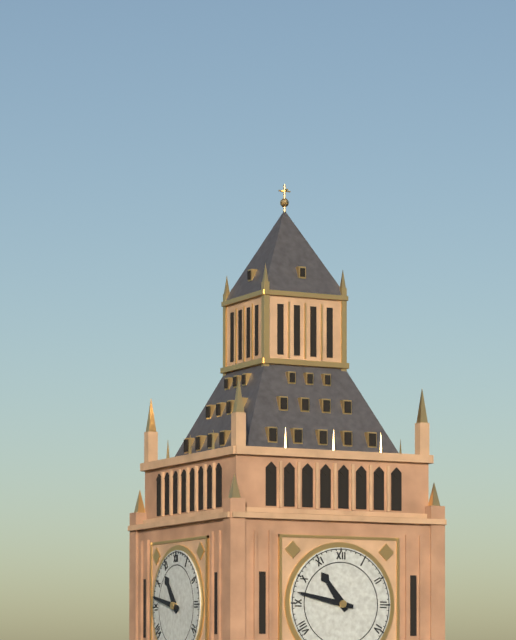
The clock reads **10:47**
